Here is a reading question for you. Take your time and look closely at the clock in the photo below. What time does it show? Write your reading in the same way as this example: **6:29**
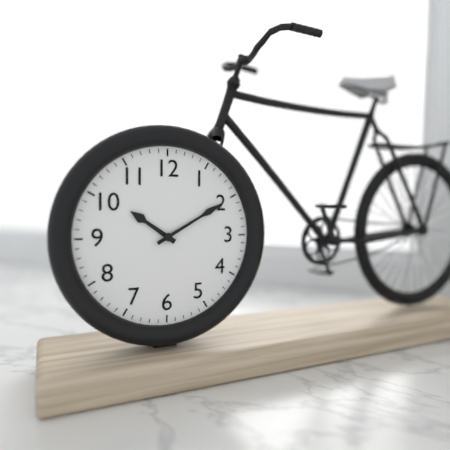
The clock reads **10:10**
